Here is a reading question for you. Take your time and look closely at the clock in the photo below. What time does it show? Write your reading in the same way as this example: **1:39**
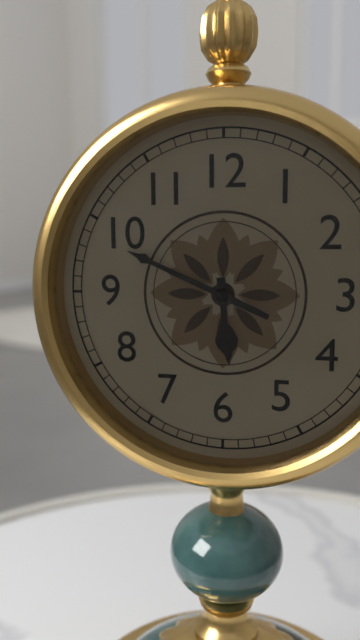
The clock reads **5:49**
